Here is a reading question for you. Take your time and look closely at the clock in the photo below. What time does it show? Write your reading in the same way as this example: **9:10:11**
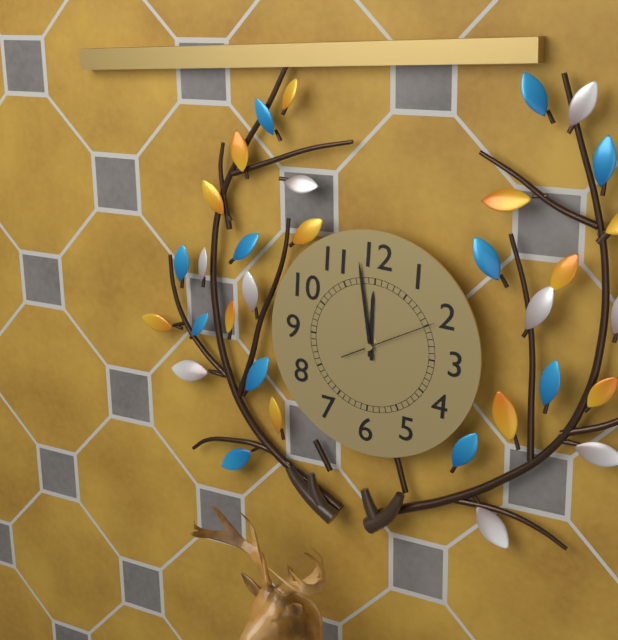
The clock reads **11:58:10**
